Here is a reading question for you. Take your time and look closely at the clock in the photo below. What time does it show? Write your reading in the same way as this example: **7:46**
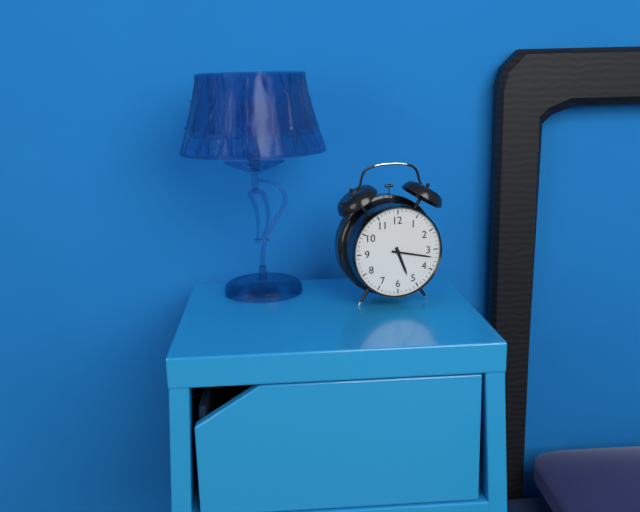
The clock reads **5:17**
